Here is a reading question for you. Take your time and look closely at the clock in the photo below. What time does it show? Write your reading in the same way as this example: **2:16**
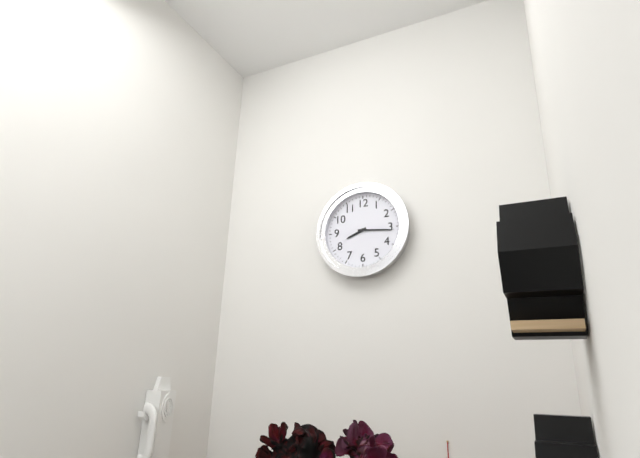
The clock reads **8:16**
